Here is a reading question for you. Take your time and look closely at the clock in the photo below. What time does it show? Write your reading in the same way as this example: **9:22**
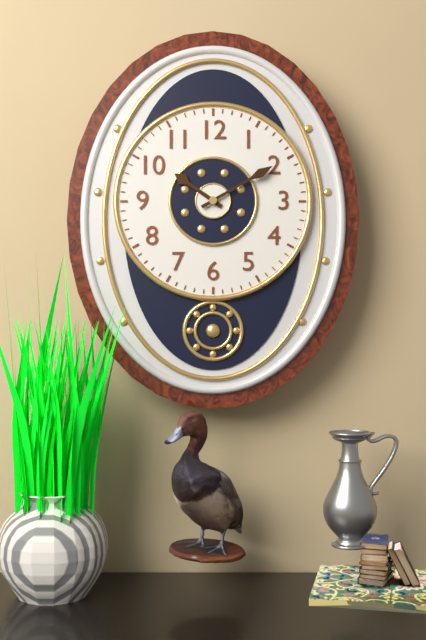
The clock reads **10:10**
